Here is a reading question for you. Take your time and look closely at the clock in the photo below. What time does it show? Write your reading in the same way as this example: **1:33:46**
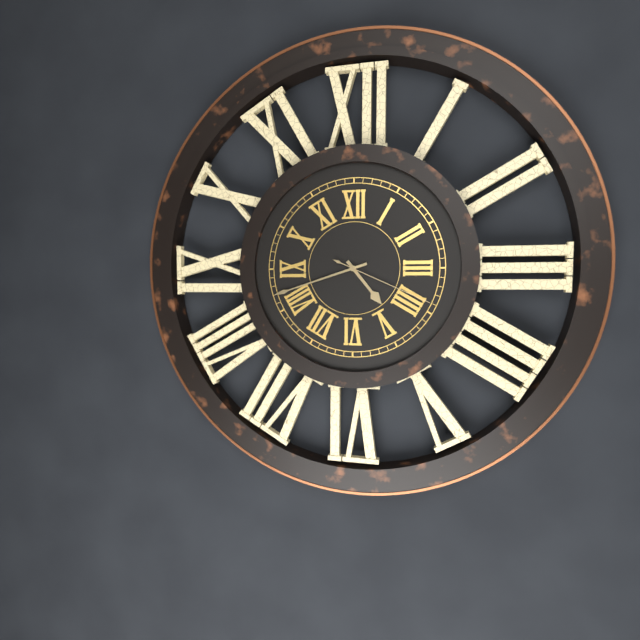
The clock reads **4:42:19**
